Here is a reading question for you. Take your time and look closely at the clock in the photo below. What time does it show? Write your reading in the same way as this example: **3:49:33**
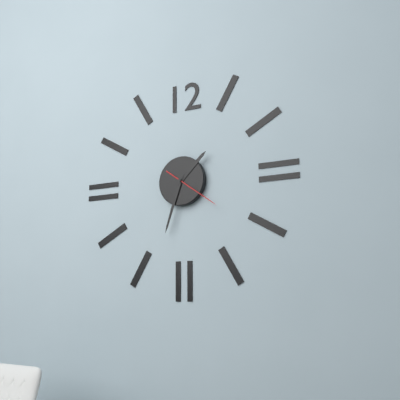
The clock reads **1:33:21**
